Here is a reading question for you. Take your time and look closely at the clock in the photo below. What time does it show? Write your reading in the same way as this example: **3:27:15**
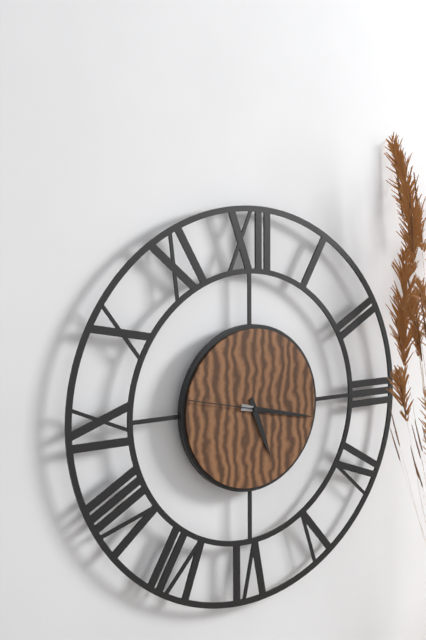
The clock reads **5:17:47**
